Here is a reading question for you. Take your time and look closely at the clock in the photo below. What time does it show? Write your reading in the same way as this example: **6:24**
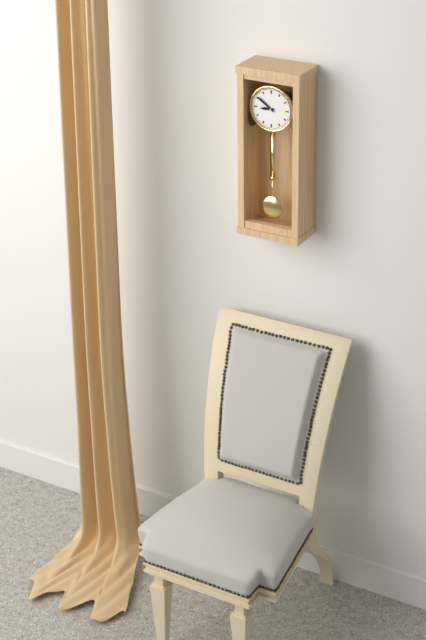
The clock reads **8:51**
